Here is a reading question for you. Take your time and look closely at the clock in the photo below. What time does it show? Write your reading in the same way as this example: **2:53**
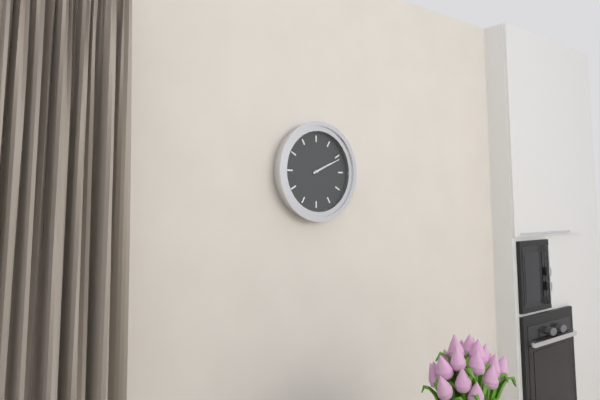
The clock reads **2:11**
